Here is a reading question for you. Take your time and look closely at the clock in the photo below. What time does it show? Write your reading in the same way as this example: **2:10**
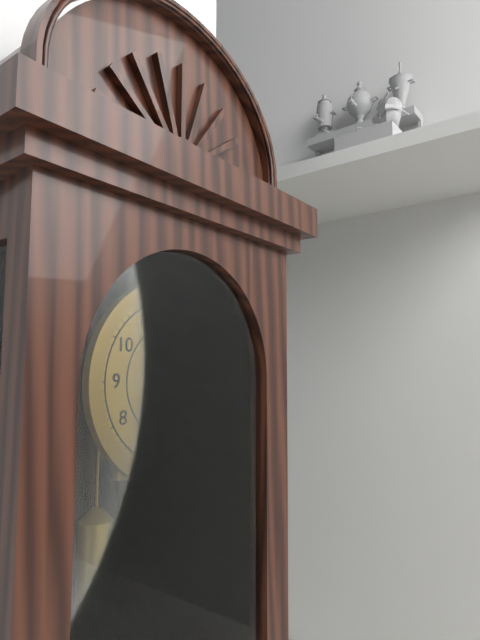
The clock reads **7:26**
